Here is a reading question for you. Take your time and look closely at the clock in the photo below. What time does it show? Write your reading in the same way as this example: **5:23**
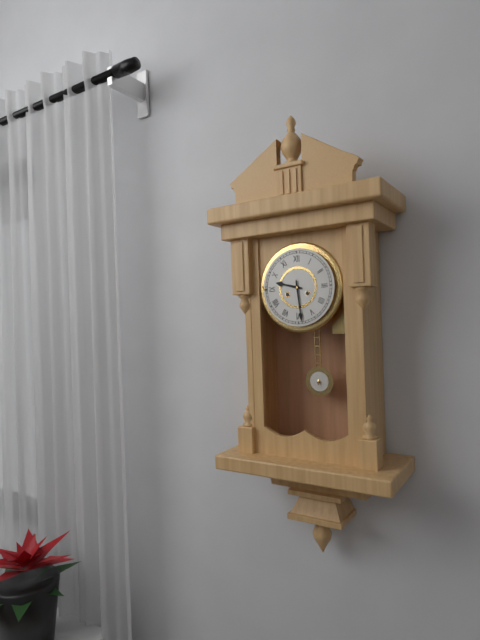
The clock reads **9:29**
